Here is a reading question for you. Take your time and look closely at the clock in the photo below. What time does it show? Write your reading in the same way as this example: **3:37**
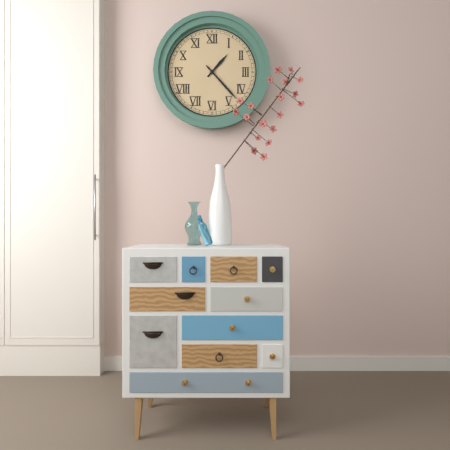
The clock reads **1:23**
